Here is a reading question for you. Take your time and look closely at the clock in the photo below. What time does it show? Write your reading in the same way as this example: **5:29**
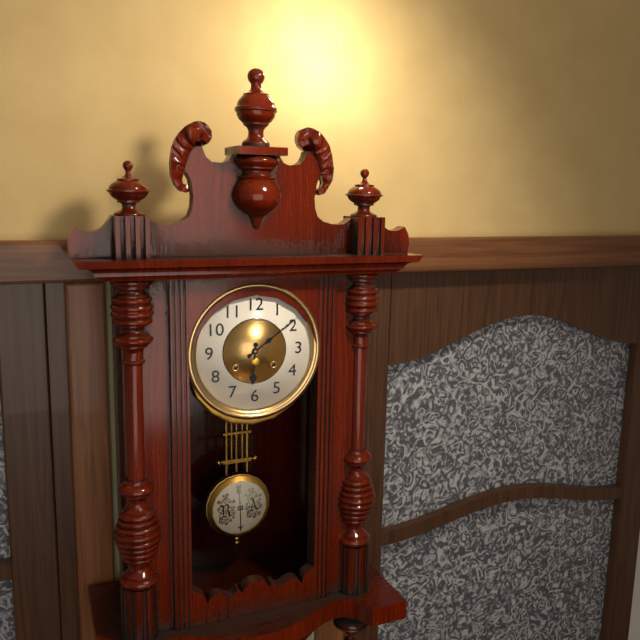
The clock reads **6:09**
